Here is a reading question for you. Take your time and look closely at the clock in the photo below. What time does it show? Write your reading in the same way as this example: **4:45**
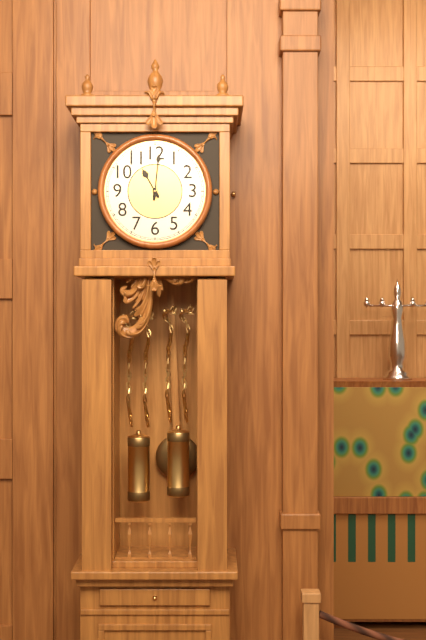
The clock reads **11:01**
